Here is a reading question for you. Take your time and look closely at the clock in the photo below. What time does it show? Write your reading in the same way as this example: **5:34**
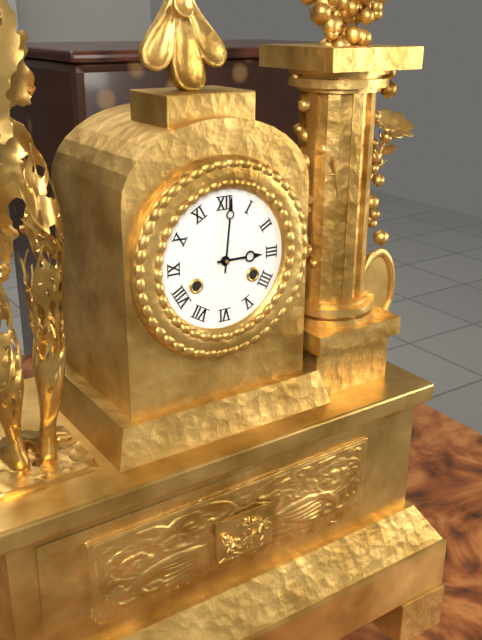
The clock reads **3:01**
